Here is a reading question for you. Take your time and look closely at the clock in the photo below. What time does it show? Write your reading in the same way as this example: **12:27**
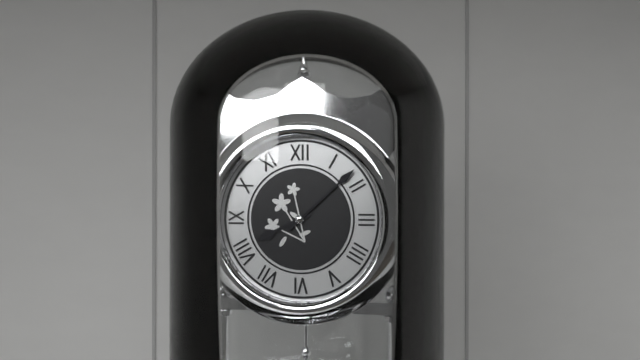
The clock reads **8:08**
